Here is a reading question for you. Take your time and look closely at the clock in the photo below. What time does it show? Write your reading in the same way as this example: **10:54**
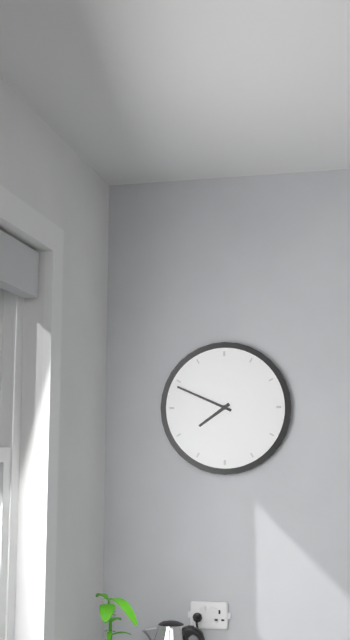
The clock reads **7:49**
